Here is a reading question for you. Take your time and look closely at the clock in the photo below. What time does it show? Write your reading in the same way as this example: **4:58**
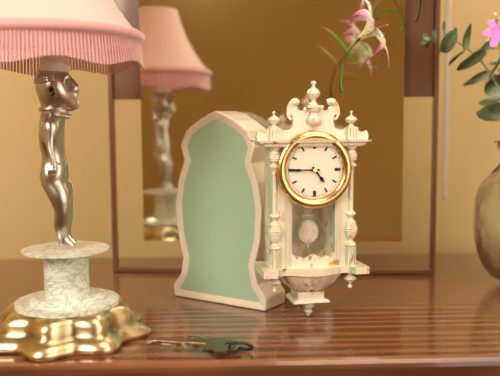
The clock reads **4:45**
